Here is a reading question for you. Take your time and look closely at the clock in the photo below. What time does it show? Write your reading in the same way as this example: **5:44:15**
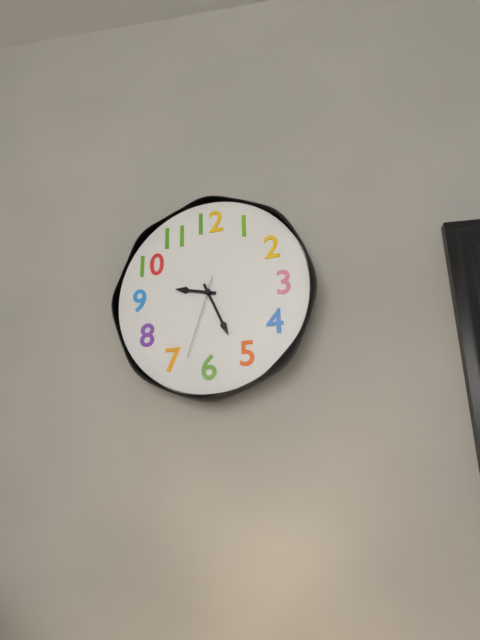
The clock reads **9:26:33**
